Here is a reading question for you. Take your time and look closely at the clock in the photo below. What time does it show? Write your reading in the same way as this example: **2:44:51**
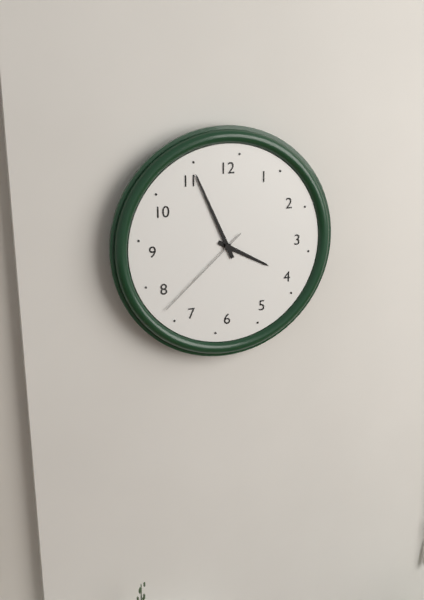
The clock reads **3:56:38**
